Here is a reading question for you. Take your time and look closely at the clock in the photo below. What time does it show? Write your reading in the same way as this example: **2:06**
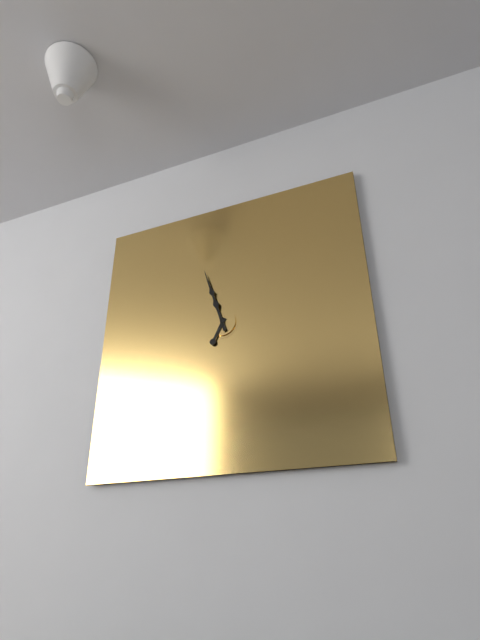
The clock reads **6:57**
